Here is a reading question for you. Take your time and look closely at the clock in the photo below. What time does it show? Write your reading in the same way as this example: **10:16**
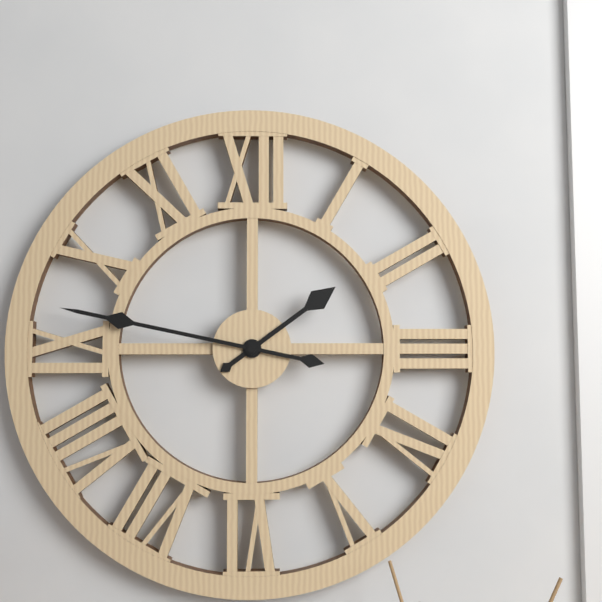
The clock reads **1:47**
